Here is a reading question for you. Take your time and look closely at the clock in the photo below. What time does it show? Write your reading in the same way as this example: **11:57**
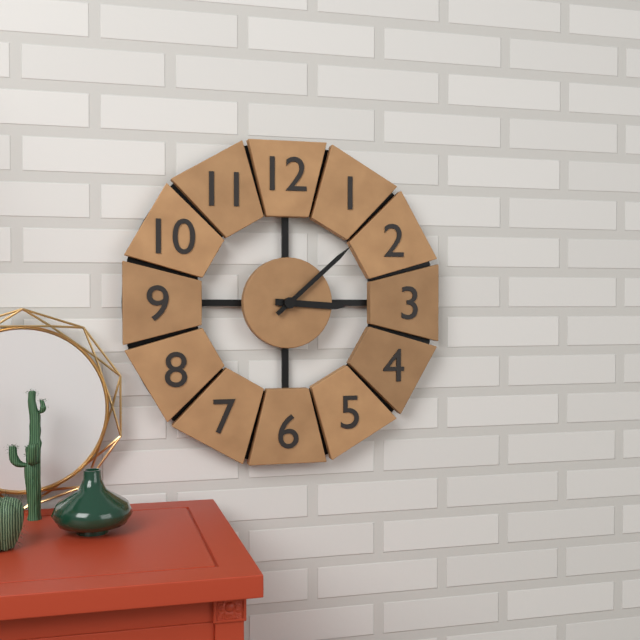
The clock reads **3:08**
